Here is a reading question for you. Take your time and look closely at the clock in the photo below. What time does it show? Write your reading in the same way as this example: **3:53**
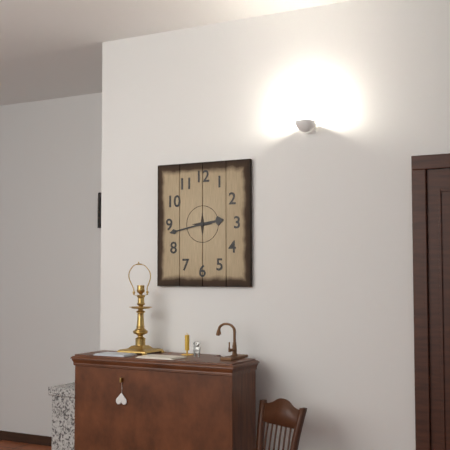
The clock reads **2:43**
